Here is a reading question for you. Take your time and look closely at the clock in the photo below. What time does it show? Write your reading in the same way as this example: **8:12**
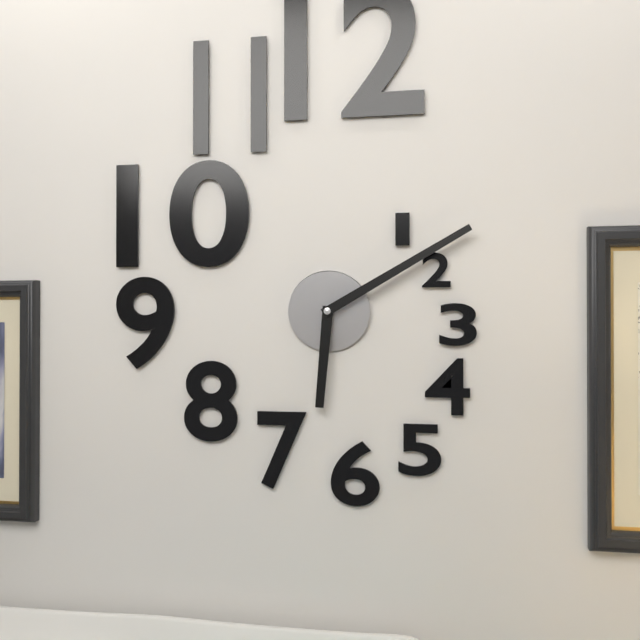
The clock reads **6:10**
